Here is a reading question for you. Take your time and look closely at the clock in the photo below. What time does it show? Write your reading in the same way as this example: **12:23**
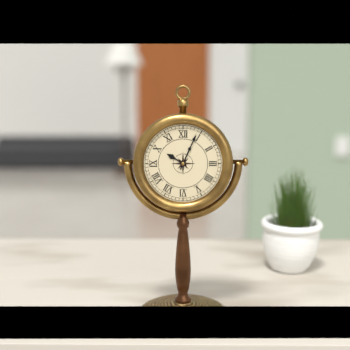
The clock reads **10:04**
